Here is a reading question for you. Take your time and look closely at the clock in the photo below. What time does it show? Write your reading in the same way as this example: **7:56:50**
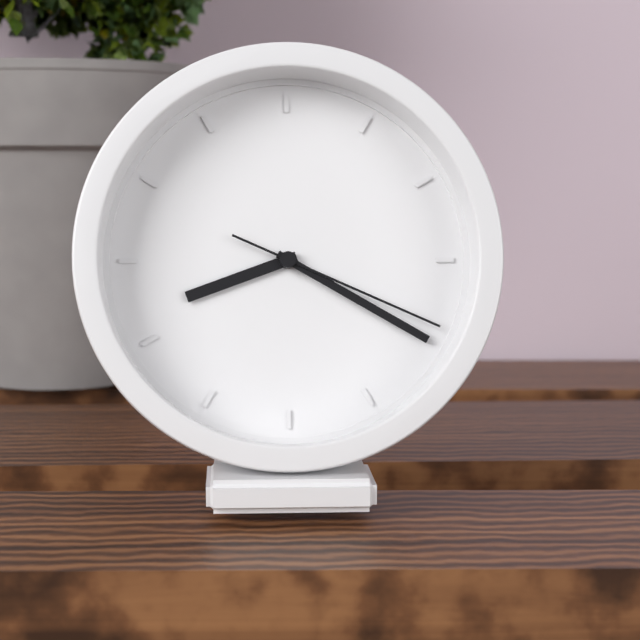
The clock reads **8:20:19**
